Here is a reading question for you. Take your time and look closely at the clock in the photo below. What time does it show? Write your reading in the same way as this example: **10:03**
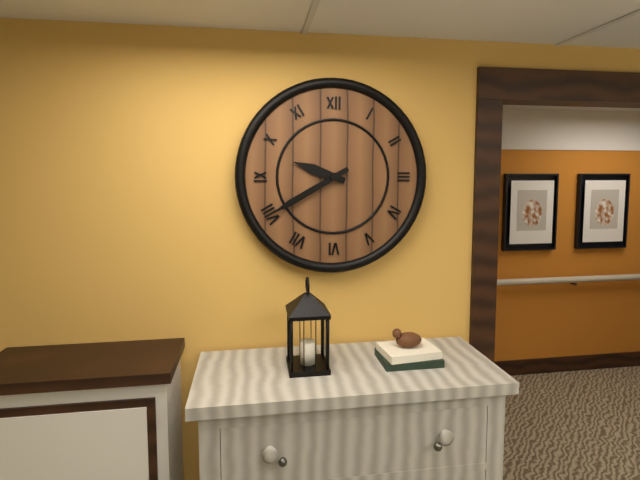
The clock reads **9:40**
